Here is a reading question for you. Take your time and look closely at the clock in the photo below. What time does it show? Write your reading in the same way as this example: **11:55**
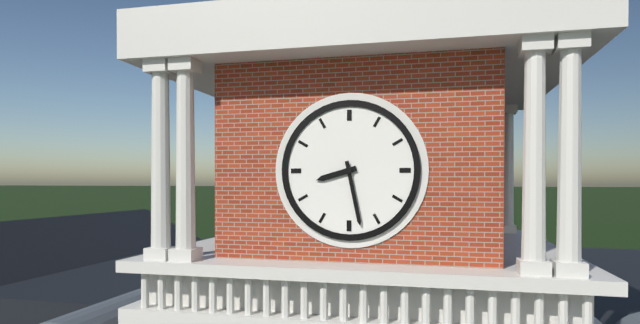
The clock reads **8:28**
